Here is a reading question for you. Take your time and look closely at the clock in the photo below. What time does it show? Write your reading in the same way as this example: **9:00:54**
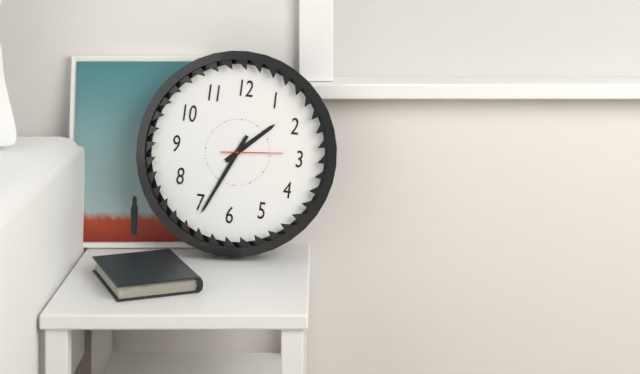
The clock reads **1:34:14**
